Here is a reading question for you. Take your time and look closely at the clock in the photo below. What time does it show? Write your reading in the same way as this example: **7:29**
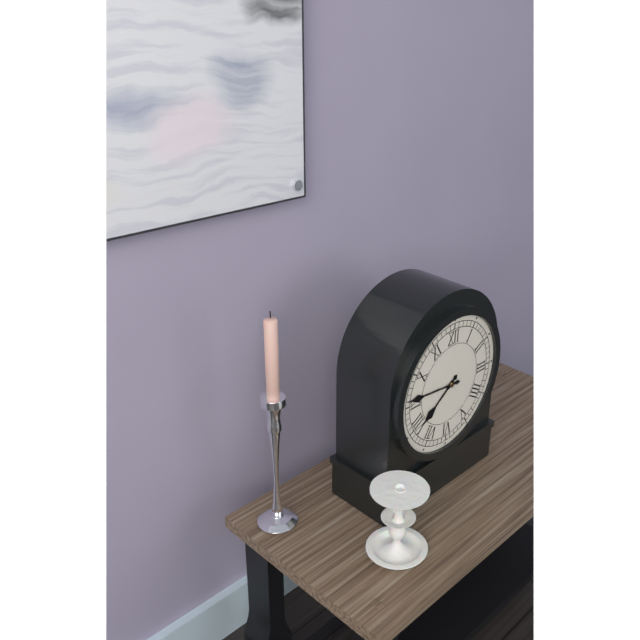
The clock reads **7:46**
